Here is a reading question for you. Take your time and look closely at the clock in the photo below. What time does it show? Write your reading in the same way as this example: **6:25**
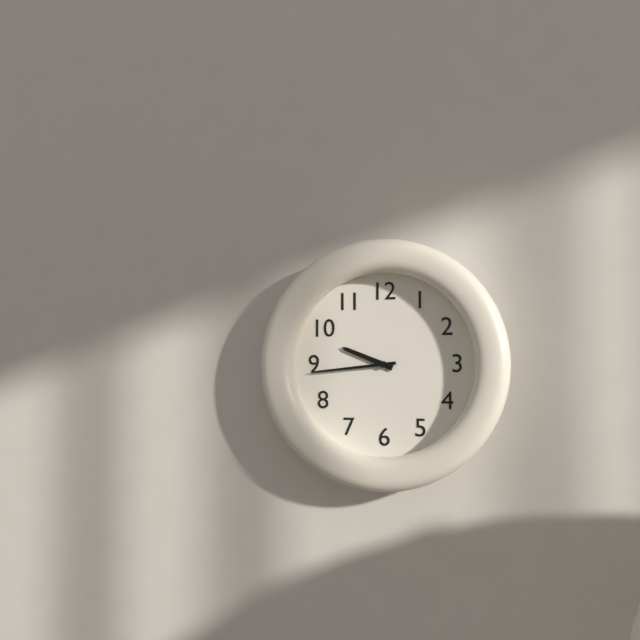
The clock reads **9:44**
